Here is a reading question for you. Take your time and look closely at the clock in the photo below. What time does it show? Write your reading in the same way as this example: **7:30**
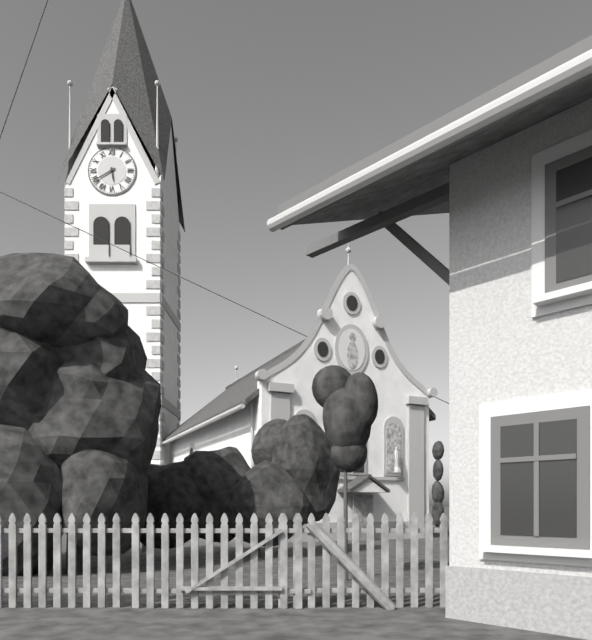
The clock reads **5:40**
